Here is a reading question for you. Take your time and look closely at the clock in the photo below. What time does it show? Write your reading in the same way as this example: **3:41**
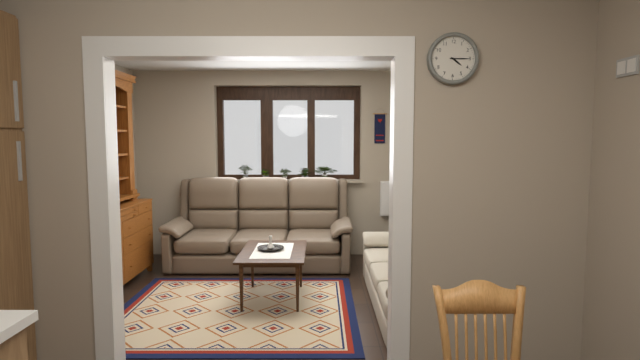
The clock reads **4:15**
